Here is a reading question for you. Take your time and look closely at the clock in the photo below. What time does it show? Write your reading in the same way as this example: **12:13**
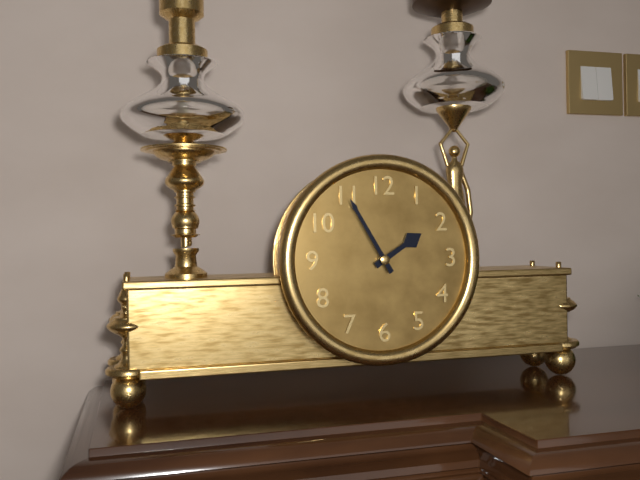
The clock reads **1:55**
